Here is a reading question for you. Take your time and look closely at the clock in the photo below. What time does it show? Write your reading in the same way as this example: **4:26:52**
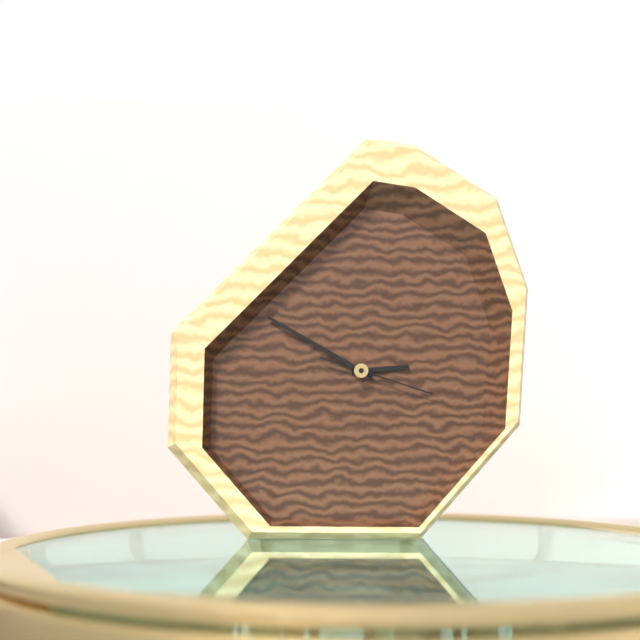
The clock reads **2:50:18**
